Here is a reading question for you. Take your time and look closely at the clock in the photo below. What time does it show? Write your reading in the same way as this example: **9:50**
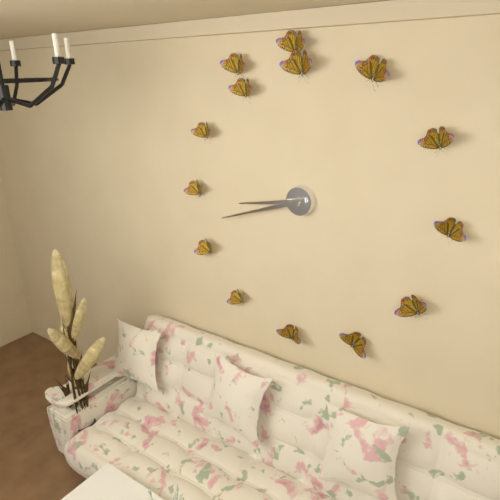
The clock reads **8:42**
